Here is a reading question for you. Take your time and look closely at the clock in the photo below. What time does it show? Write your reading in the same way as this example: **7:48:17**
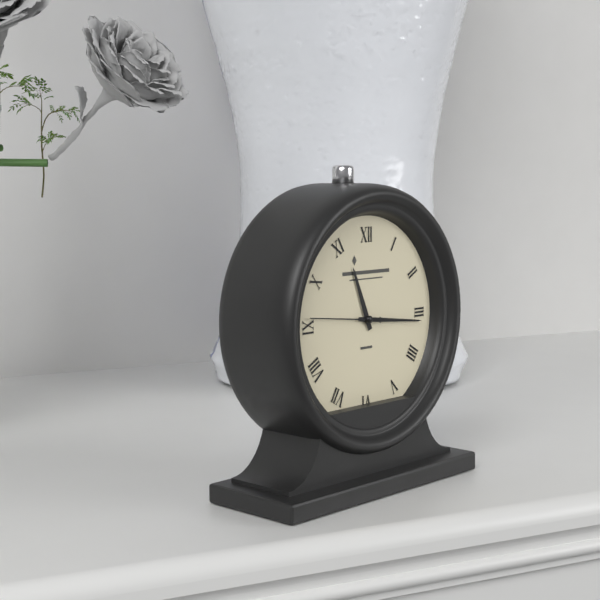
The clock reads **11:16:46**
